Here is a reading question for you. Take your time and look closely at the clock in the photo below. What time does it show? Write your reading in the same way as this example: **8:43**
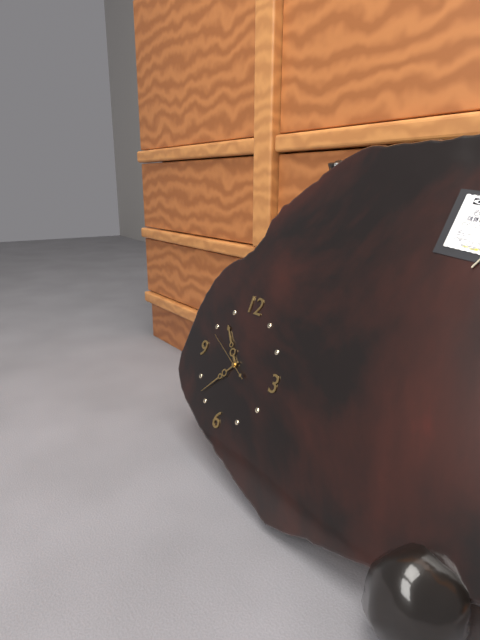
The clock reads **10:37**
